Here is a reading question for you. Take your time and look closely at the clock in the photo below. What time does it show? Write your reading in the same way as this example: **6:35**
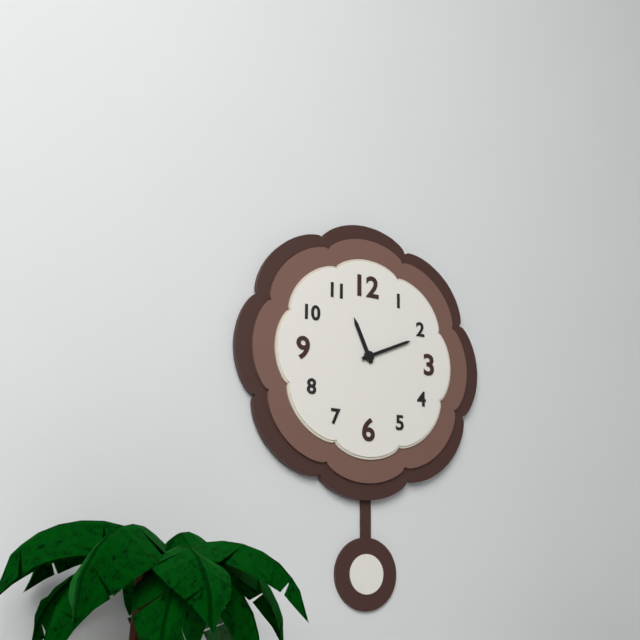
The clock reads **11:11**
